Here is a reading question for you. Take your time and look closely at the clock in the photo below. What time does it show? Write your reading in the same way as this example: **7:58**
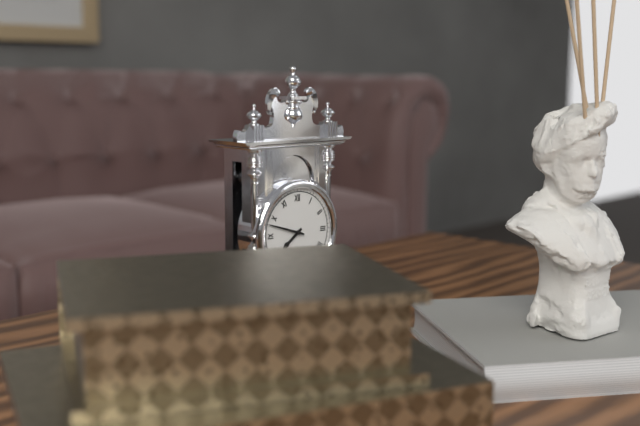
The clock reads **7:48**
